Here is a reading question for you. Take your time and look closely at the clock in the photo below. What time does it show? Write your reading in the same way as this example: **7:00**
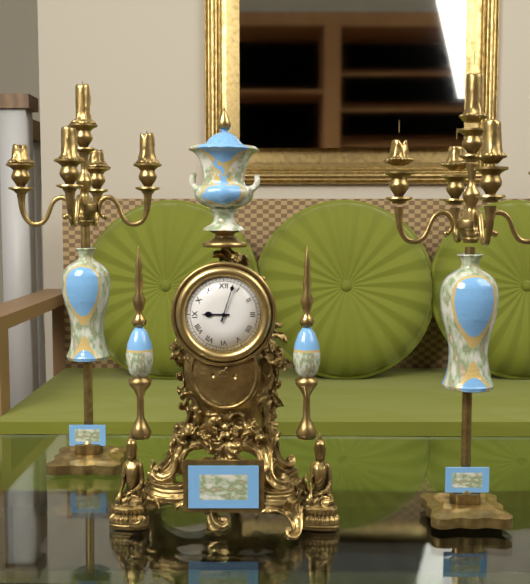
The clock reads **9:03**
